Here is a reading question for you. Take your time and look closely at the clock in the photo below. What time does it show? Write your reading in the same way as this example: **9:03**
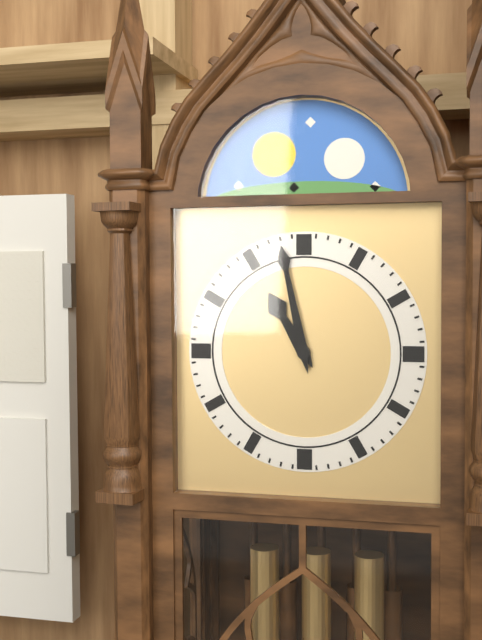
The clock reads **10:58**
